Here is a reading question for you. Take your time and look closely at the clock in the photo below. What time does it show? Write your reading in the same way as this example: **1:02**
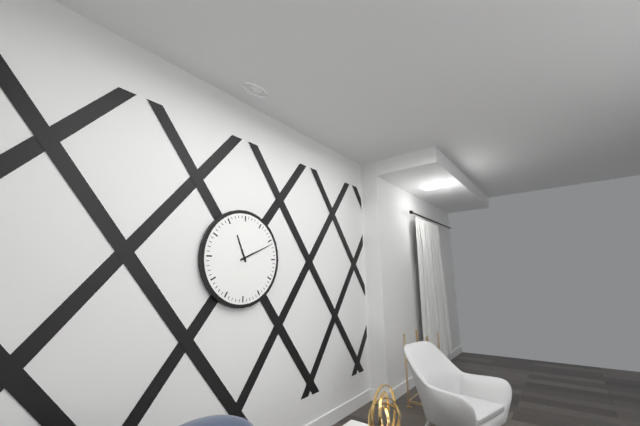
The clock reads **11:11**
